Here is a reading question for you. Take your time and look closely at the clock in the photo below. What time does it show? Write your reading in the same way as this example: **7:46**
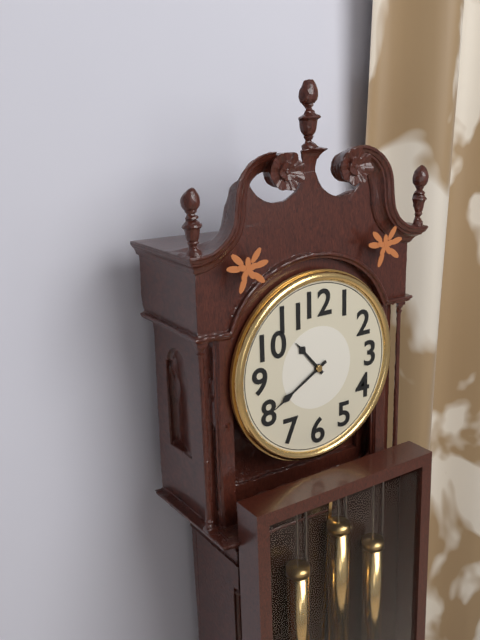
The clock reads **10:40**
